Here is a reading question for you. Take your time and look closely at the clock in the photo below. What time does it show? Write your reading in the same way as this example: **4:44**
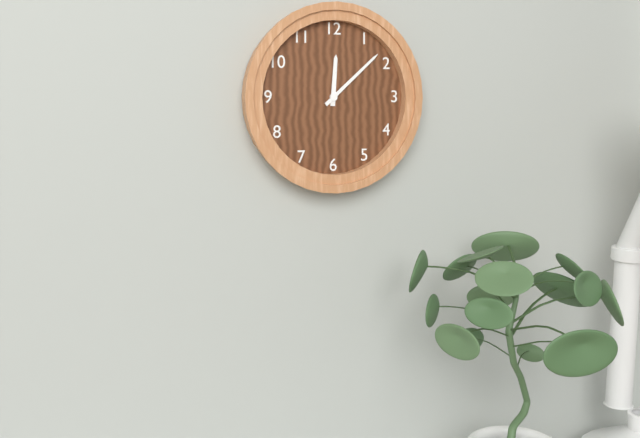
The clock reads **12:08**
